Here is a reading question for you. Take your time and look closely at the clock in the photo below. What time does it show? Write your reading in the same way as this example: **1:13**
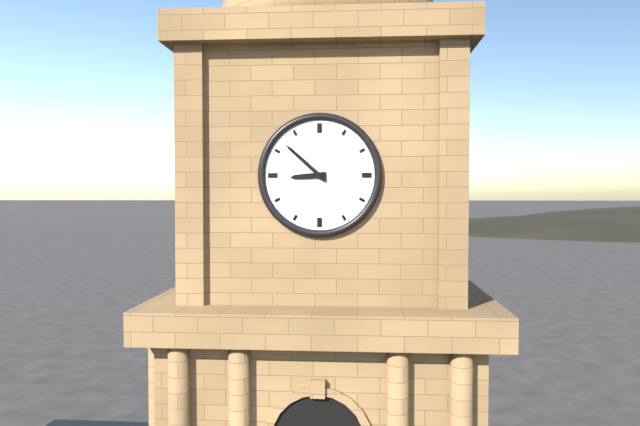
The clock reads **8:52**
